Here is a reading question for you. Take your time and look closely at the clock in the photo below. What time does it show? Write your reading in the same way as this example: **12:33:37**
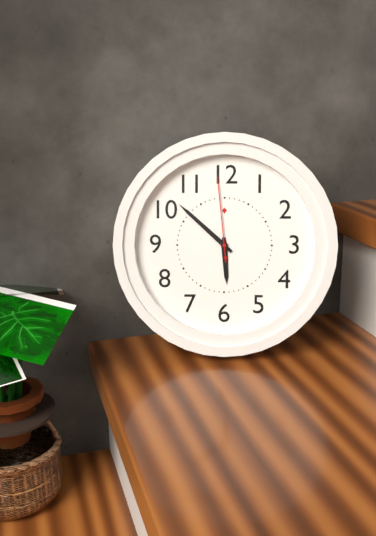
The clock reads **5:52:59**
